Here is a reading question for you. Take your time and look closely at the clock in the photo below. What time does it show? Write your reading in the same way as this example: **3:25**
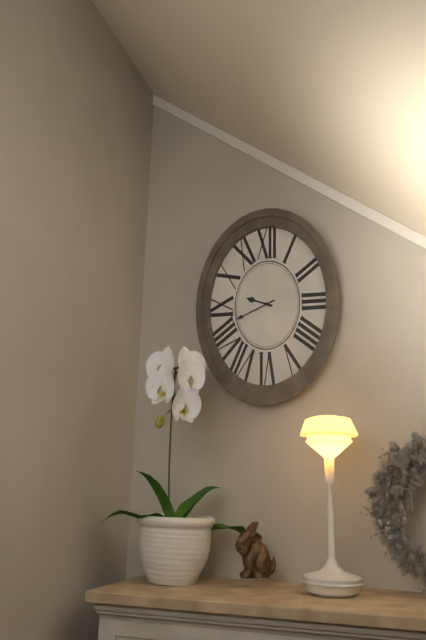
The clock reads **9:41**
